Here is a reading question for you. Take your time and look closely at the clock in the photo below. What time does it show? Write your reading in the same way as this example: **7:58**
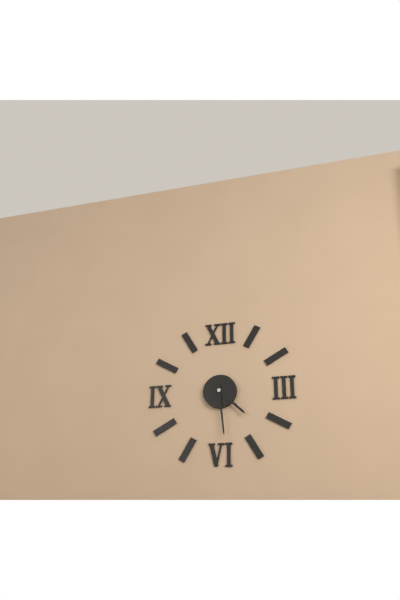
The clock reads **4:29**
